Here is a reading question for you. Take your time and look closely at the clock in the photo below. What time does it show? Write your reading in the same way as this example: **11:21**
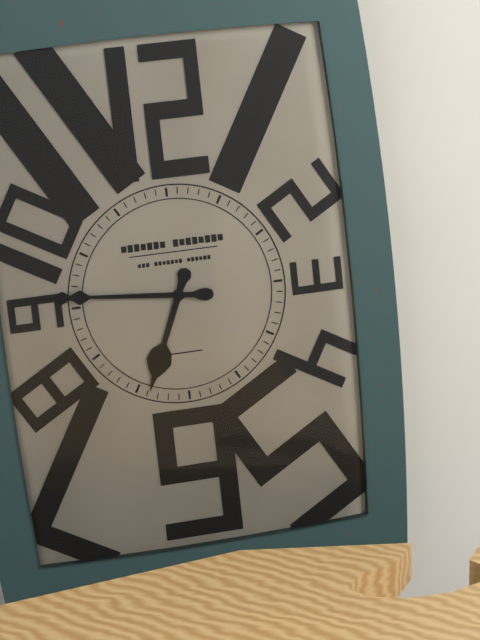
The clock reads **6:46**
